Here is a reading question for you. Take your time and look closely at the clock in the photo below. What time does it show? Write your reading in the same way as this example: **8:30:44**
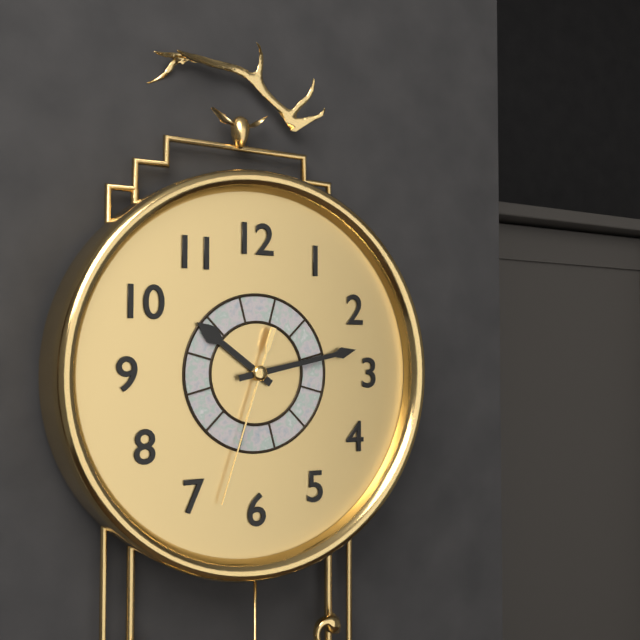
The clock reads **10:13:33**
